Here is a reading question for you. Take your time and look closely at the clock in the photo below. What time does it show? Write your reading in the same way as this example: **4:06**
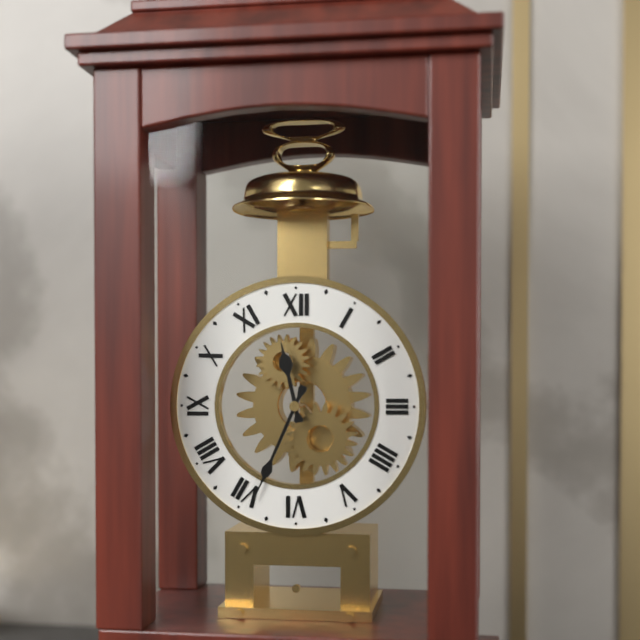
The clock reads **11:34**
